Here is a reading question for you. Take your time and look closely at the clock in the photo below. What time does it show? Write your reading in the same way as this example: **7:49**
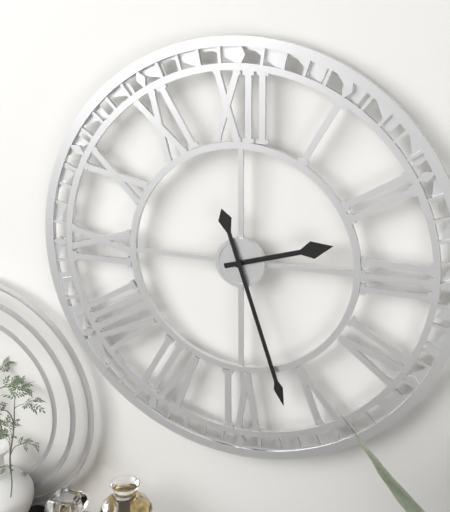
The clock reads **2:27**
